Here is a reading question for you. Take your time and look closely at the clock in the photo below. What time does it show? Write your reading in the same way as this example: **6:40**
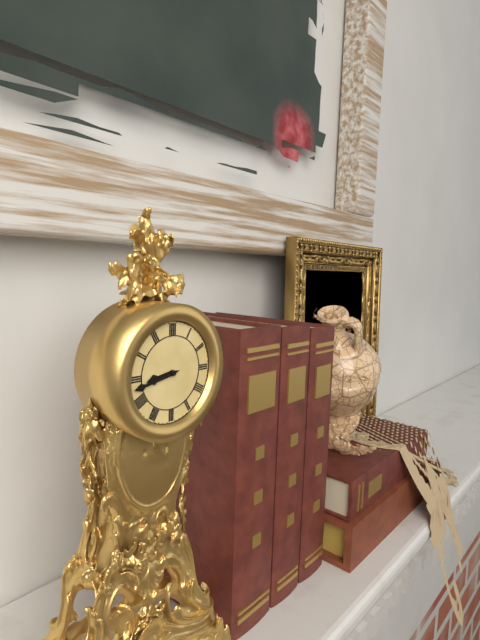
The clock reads **8:43**
